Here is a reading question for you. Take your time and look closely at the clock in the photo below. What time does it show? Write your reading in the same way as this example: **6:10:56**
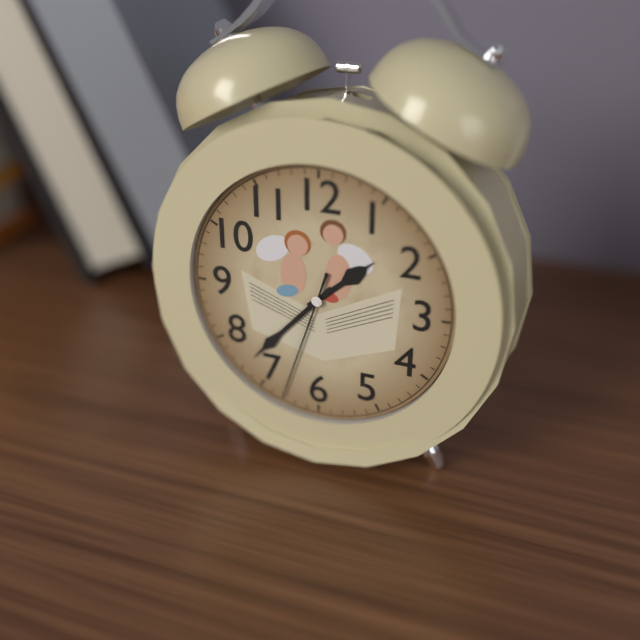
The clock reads **1:37:33**
